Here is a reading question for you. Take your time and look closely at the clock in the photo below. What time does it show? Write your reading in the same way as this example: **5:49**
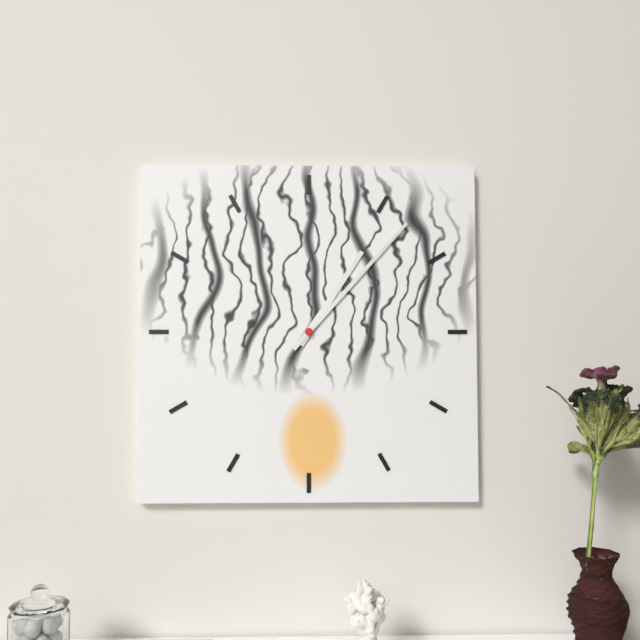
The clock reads **1:07**
